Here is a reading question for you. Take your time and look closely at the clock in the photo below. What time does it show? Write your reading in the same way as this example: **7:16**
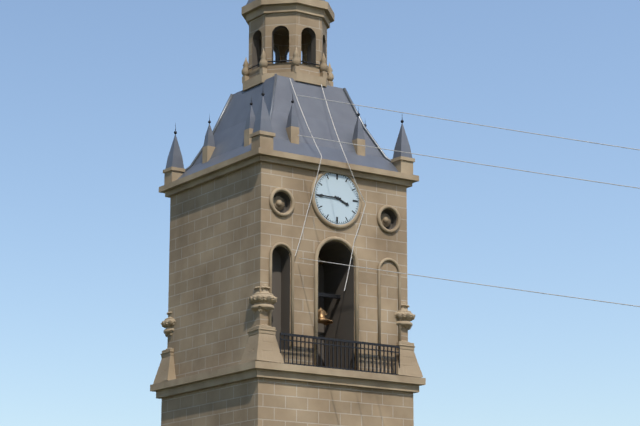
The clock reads **3:45**
